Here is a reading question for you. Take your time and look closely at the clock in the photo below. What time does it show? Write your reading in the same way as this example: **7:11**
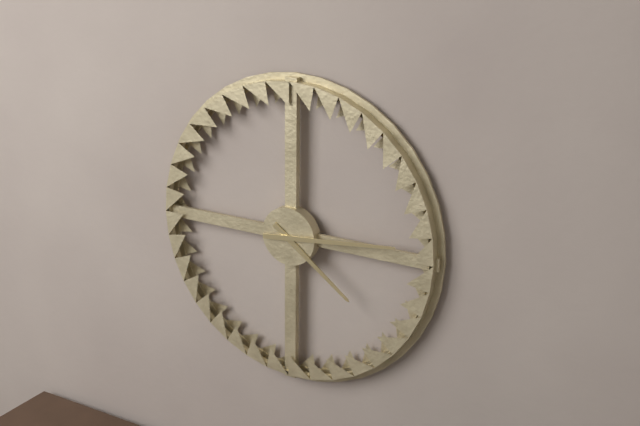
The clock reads **4:14**
